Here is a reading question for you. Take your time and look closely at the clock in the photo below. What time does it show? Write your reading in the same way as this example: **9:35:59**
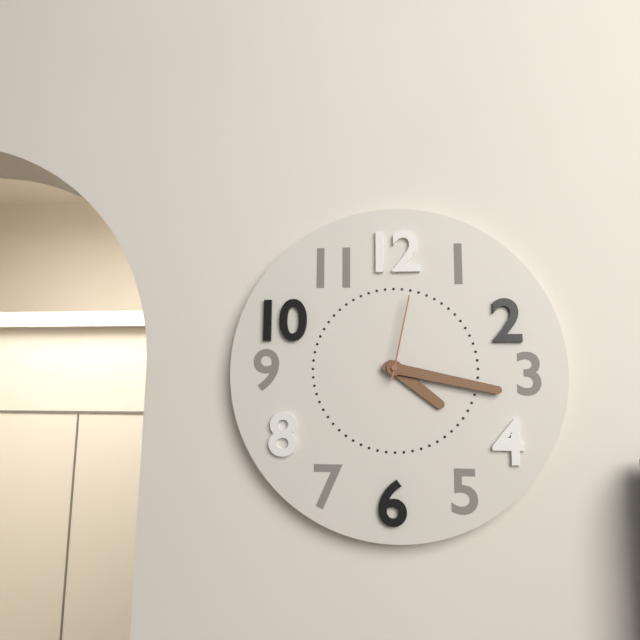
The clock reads **4:17:02**
